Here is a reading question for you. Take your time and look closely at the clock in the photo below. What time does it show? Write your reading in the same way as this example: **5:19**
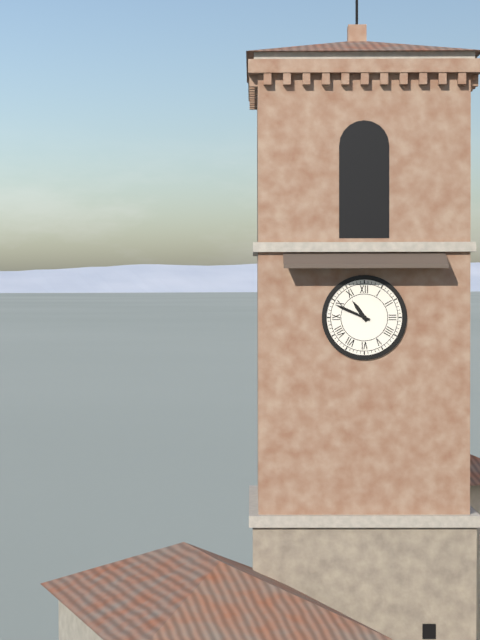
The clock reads **10:49**
